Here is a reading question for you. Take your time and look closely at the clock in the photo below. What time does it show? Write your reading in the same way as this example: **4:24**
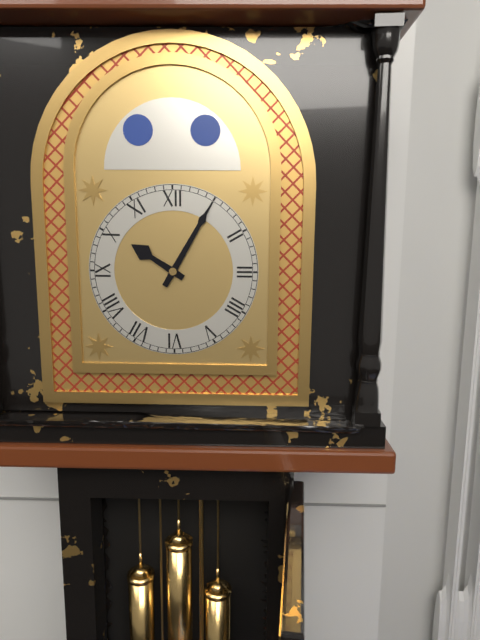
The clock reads **10:05**
